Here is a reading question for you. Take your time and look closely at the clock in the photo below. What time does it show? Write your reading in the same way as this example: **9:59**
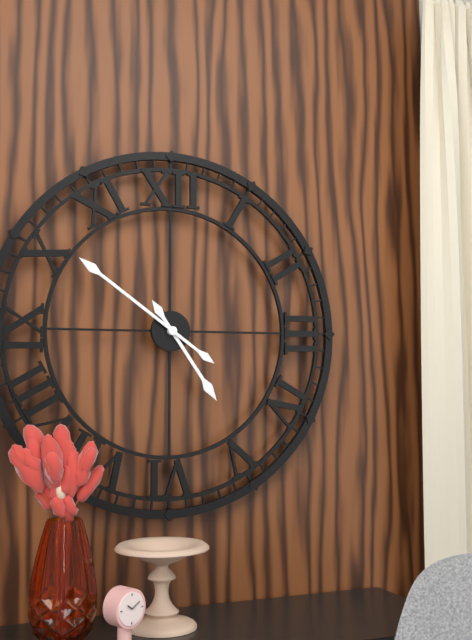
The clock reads **4:51**
